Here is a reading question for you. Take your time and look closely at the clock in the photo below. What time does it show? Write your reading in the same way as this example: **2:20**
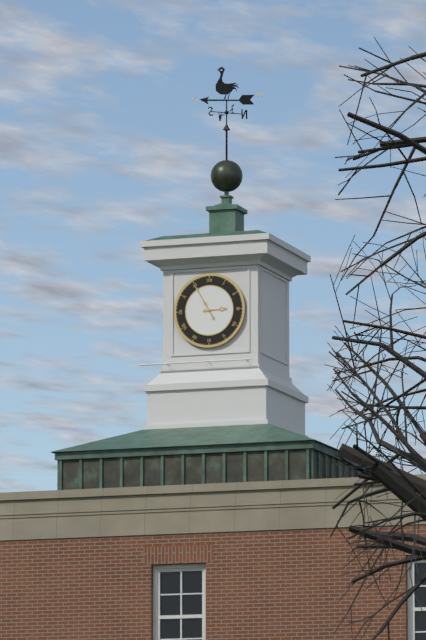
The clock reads **2:55**
